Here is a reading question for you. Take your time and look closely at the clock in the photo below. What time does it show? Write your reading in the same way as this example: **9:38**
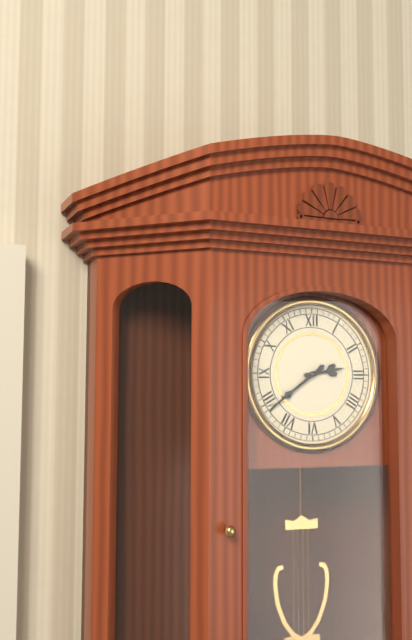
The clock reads **2:39**
